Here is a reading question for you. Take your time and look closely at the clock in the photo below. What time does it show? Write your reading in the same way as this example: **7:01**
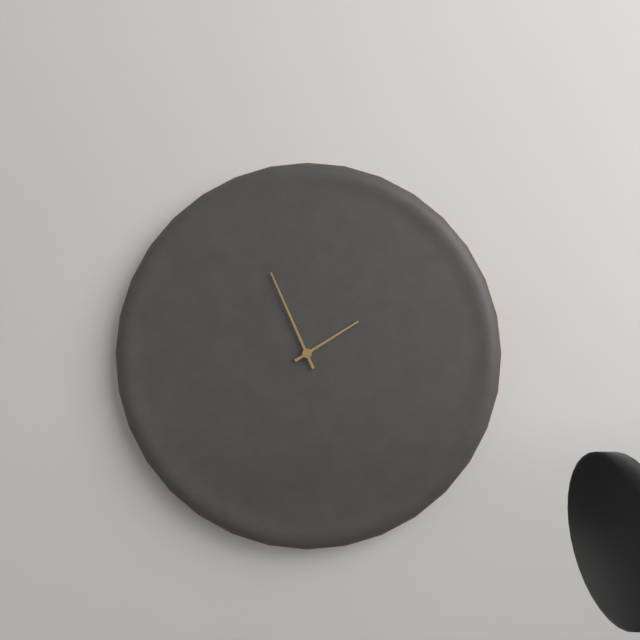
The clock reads **1:56**
